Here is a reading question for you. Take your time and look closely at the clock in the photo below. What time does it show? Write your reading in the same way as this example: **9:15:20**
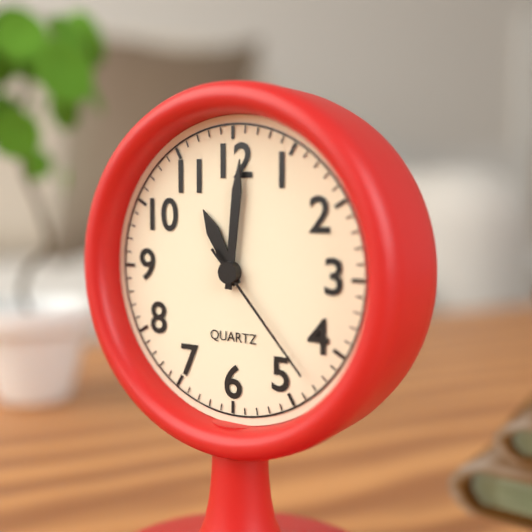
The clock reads **11:01:23**
